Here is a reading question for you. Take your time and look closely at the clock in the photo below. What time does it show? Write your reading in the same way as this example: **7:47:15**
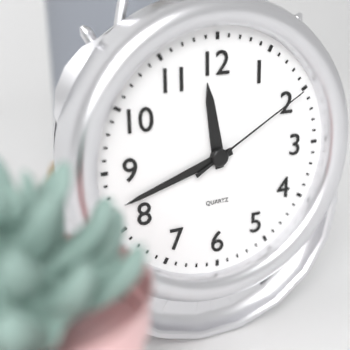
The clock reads **11:42:10**
